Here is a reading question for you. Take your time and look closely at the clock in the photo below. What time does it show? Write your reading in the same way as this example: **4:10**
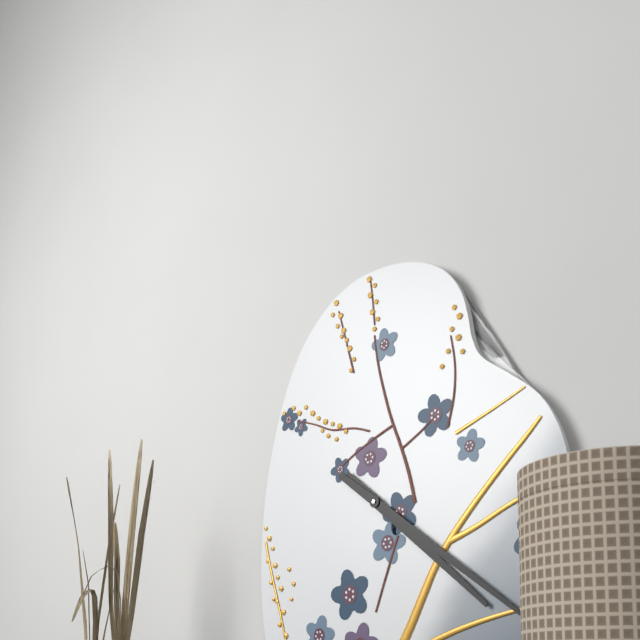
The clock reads **4:21**
